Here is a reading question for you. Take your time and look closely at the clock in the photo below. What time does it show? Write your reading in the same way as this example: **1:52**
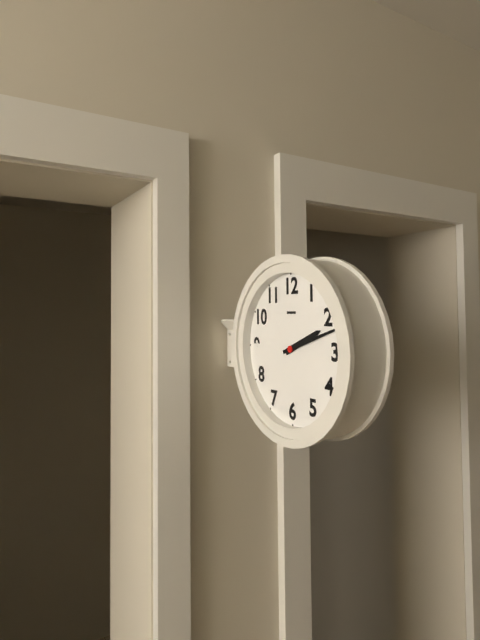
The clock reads **2:12**
